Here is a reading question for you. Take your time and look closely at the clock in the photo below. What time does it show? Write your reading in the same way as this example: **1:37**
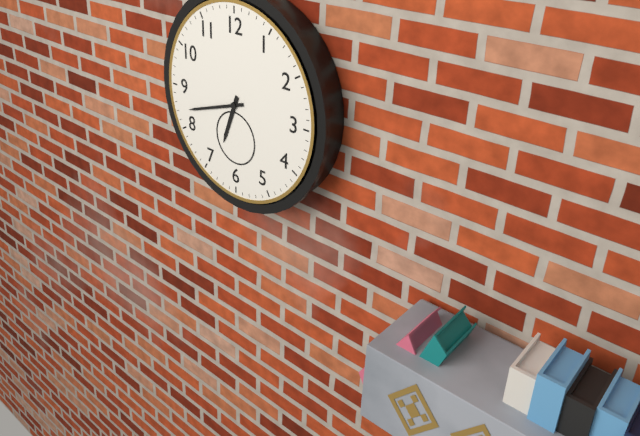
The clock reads **6:42**
